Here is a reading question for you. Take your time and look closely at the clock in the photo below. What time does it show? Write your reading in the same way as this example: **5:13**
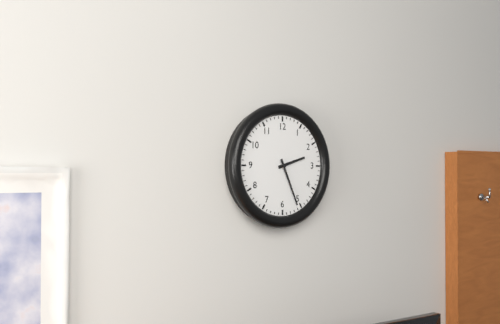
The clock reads **2:26**
